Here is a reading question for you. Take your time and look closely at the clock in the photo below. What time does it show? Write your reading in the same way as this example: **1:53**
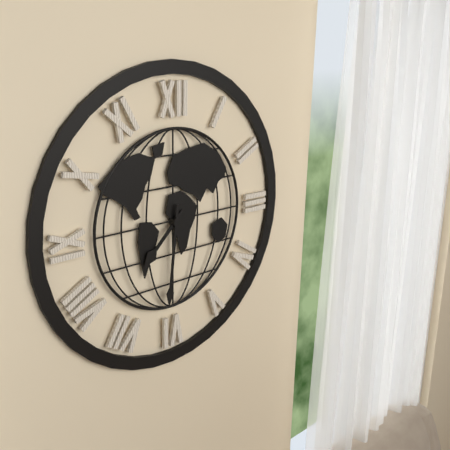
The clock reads **7:31**
